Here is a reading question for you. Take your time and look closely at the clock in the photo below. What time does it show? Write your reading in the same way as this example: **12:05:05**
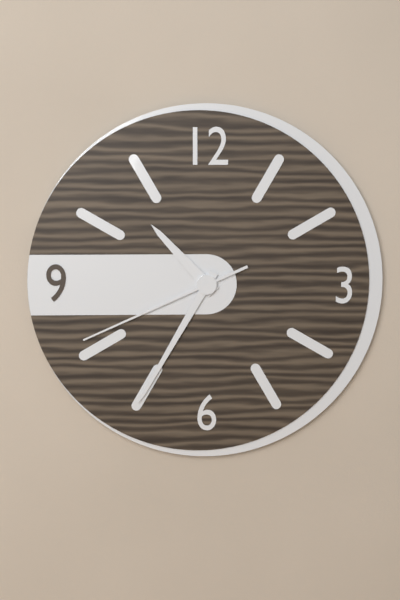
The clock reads **10:35:41**
